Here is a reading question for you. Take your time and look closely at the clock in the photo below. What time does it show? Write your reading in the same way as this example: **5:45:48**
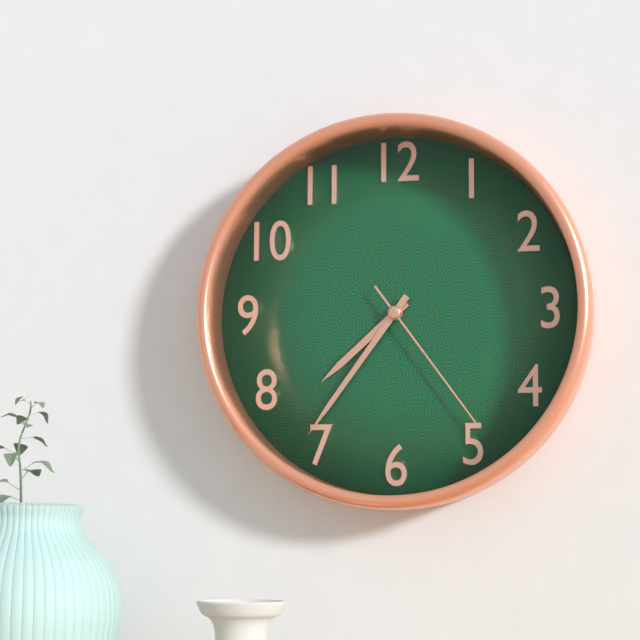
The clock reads **7:36:24**
